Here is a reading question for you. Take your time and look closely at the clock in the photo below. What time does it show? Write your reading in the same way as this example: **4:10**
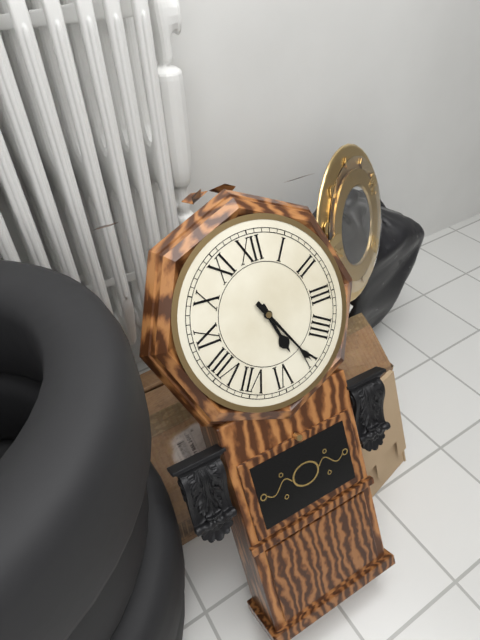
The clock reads **5:25**
